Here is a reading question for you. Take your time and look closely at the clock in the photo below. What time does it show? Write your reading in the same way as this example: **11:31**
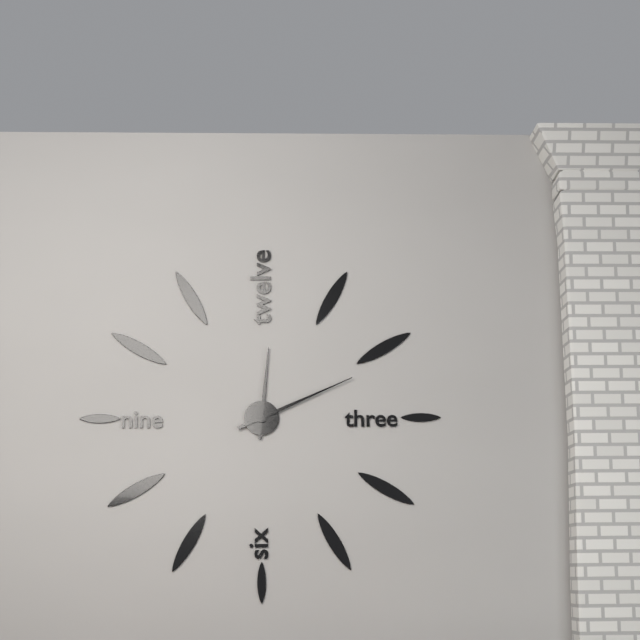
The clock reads **12:11**
